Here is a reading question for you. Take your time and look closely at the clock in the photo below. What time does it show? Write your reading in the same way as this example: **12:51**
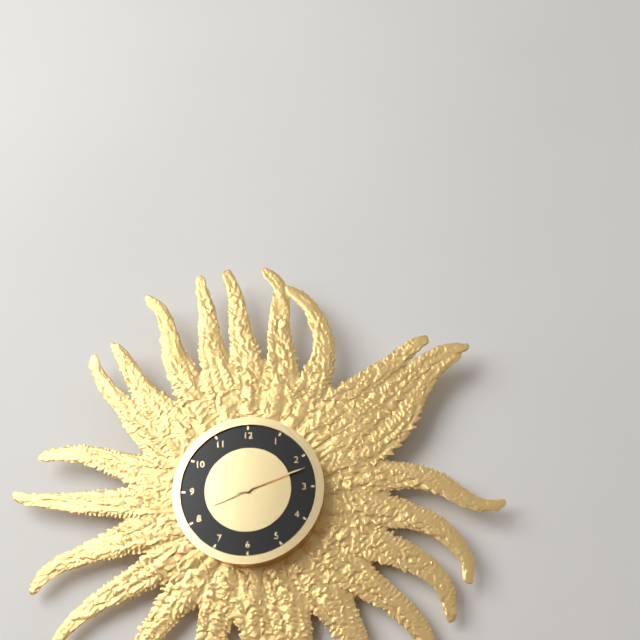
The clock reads **8:12**
